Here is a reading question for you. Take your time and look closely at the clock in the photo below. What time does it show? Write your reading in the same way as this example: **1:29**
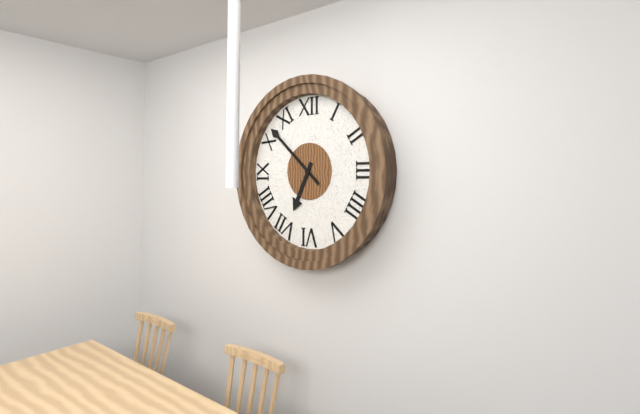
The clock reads **6:52**
